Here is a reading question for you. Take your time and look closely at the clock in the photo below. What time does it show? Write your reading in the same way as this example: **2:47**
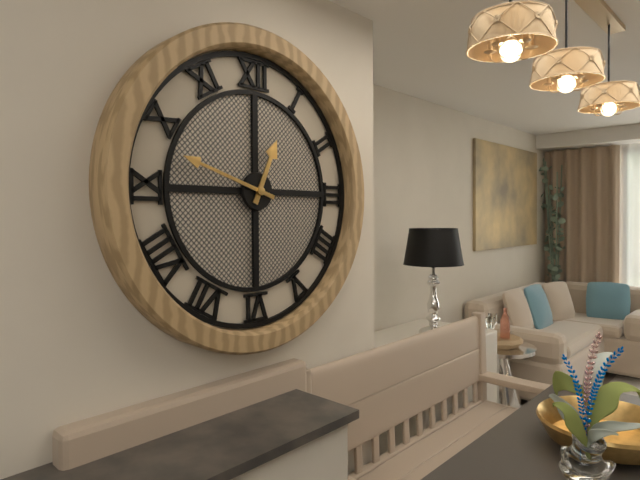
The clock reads **12:48**
